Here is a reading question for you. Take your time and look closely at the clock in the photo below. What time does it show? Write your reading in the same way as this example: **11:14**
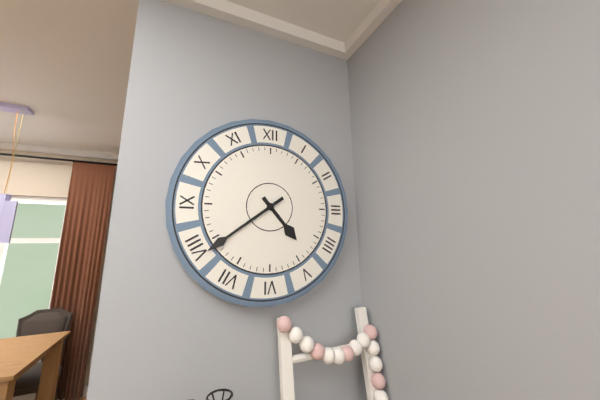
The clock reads **4:39**
